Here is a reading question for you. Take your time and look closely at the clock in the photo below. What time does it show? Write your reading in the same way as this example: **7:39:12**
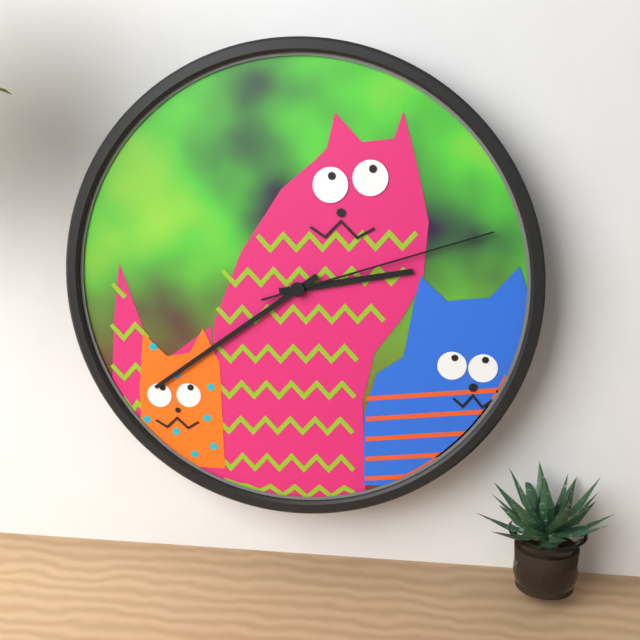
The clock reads **2:39:12**
